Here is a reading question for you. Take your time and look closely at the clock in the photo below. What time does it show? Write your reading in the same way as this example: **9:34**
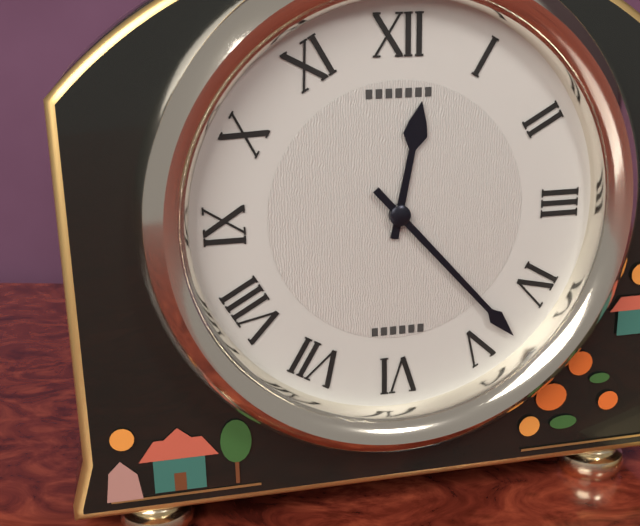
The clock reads **12:23**
